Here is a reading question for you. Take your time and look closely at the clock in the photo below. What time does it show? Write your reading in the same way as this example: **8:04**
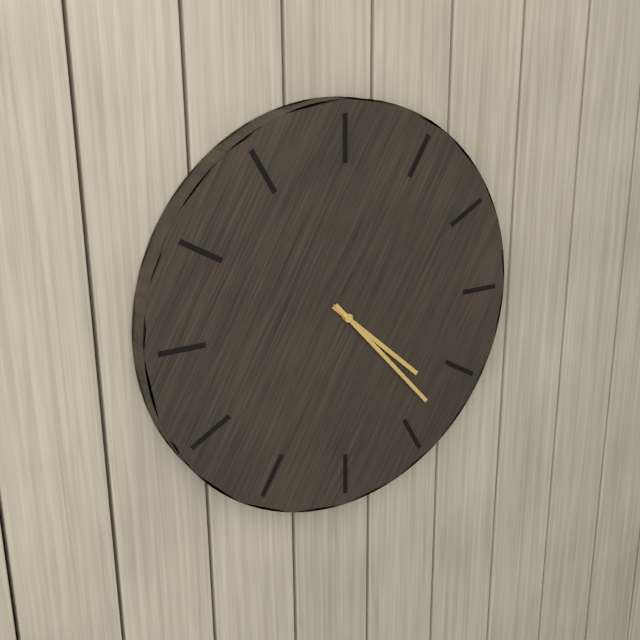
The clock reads **4:23**
